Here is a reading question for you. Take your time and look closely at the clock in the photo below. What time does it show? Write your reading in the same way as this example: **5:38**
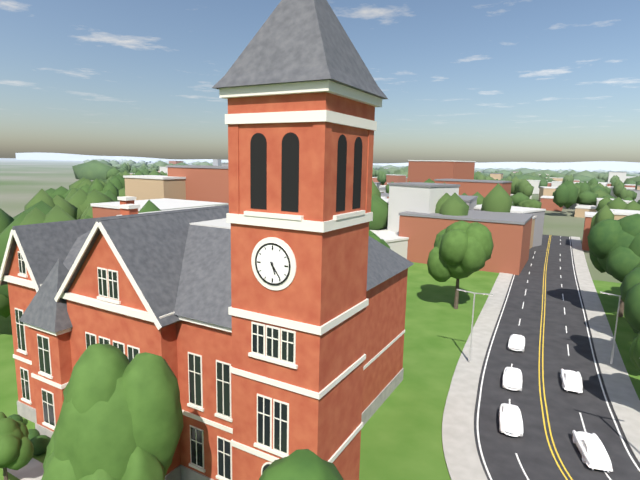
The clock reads **5:24**
